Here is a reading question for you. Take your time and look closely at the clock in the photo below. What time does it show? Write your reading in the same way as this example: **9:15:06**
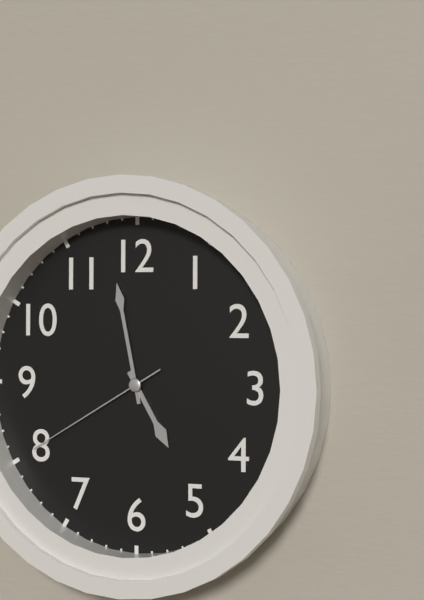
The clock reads **4:58:40**
